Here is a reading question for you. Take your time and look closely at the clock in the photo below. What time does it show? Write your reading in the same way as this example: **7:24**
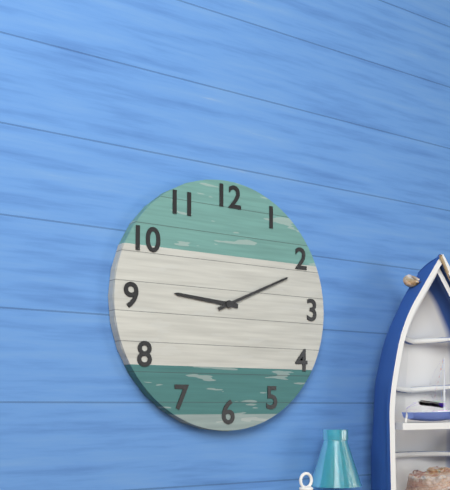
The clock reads **9:11**
